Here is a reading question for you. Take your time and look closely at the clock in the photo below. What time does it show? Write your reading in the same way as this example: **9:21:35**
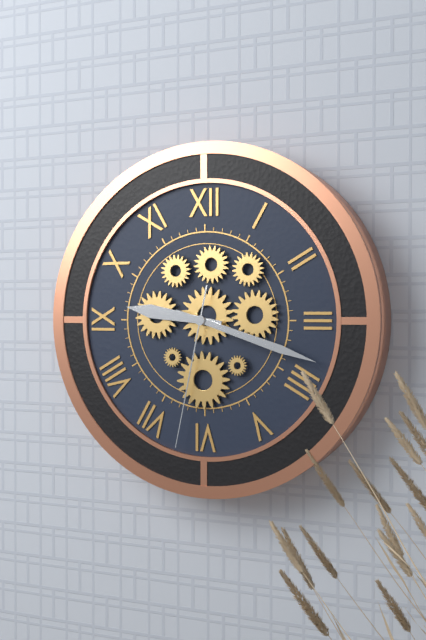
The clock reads **9:18:32**
